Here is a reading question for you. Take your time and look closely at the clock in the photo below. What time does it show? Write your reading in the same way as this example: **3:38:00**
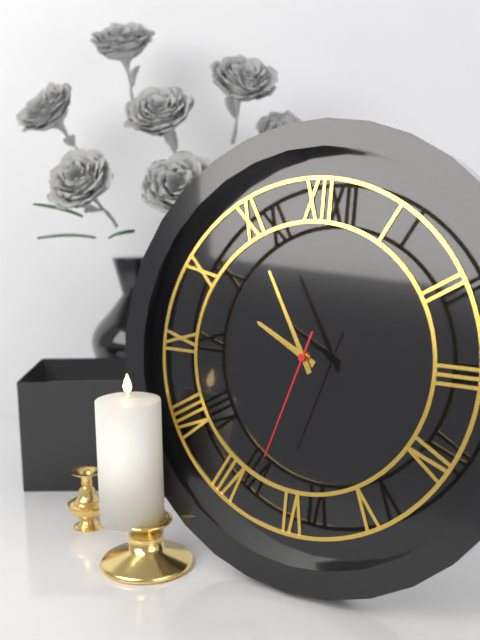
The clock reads **9:55:33**
